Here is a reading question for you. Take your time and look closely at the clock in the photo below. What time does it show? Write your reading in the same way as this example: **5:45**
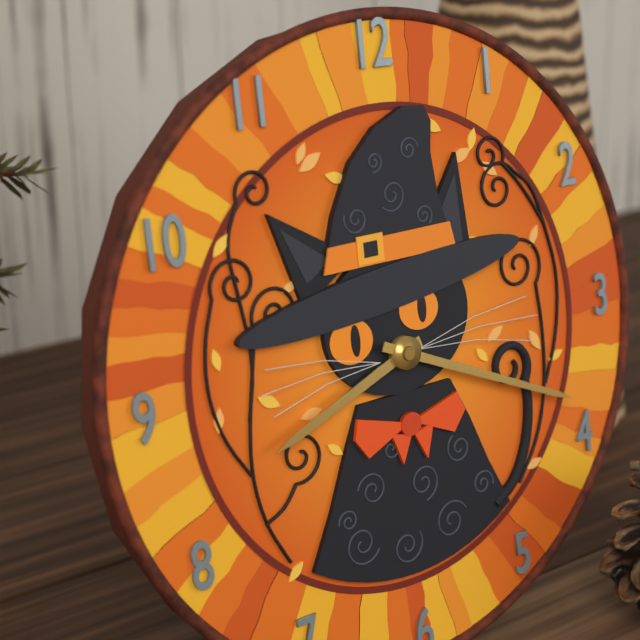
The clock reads **8:19**
